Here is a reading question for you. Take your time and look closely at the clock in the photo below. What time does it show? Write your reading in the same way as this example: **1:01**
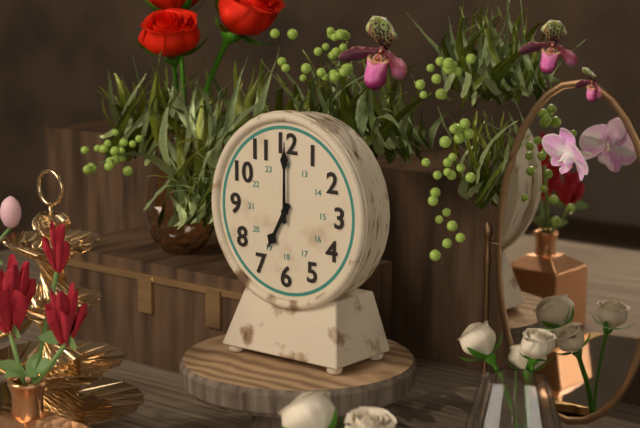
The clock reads **7:00**
